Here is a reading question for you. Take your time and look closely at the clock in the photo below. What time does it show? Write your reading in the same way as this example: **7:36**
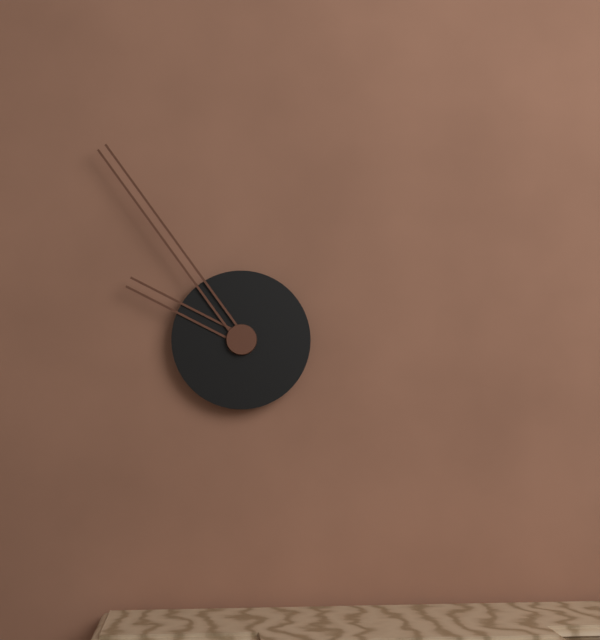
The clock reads **9:54**
